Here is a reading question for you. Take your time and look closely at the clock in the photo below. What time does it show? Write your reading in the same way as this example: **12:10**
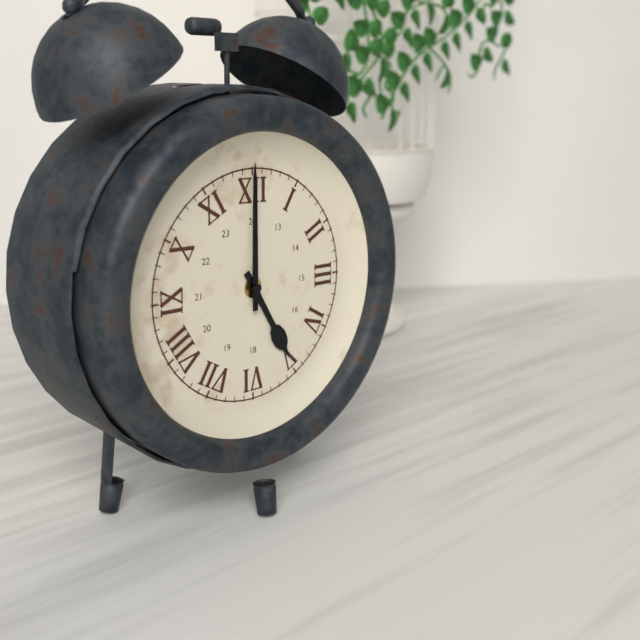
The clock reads **5:00**
